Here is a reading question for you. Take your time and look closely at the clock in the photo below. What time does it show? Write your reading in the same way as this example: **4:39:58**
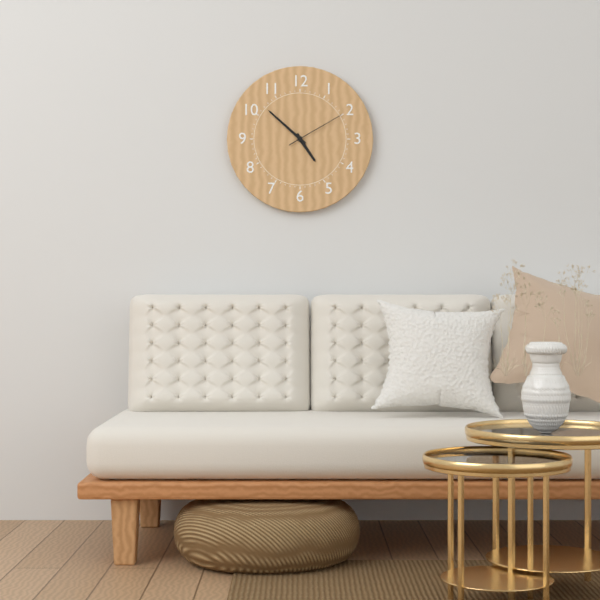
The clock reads **4:52:10**
